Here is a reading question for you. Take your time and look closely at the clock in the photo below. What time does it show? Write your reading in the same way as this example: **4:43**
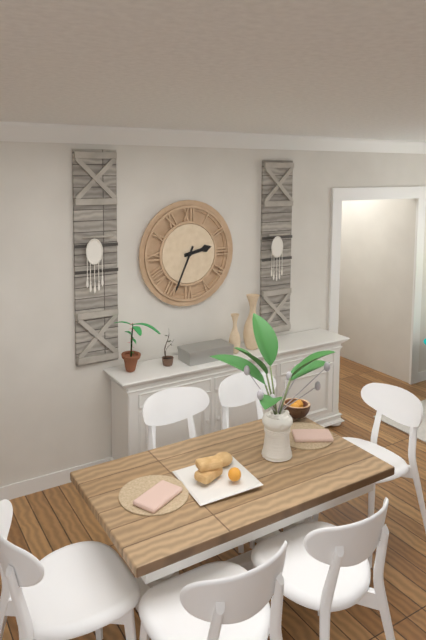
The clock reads **2:34**
